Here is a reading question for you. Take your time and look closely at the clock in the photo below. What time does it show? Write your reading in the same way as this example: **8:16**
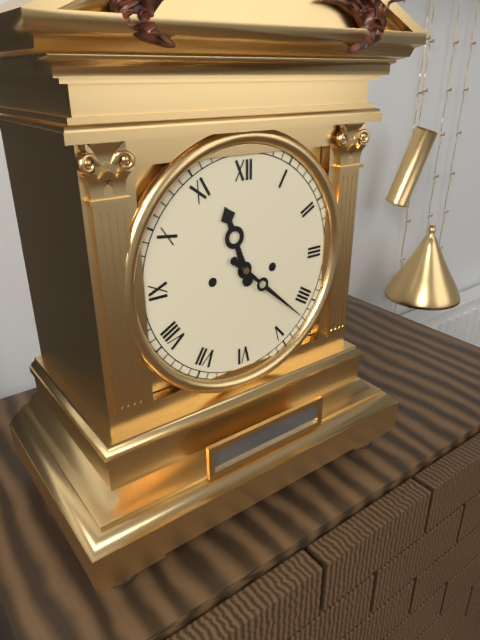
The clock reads **11:22**
